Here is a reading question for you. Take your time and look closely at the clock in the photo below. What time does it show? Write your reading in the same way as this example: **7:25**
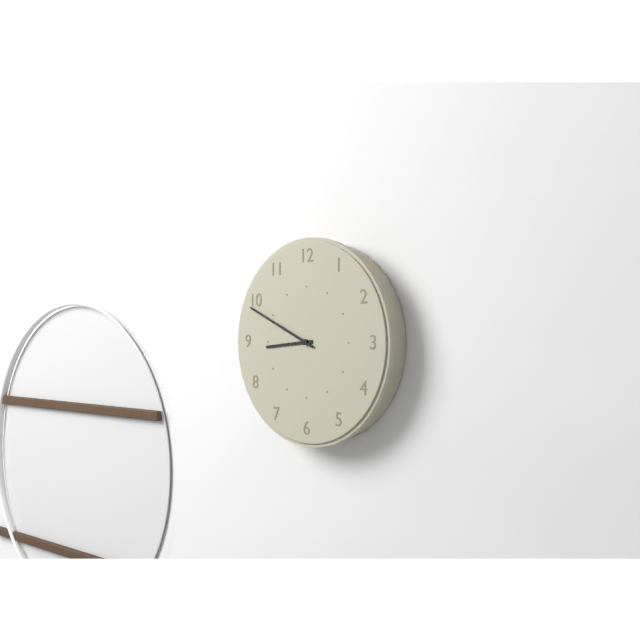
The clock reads **8:49**
